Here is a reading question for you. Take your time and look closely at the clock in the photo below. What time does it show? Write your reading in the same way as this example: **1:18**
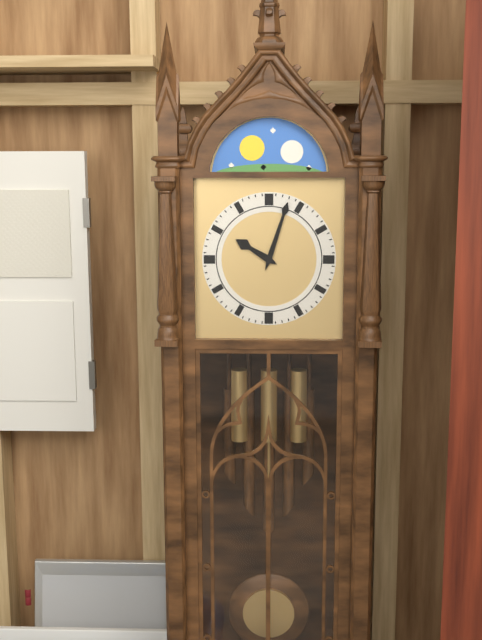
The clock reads **10:03**
